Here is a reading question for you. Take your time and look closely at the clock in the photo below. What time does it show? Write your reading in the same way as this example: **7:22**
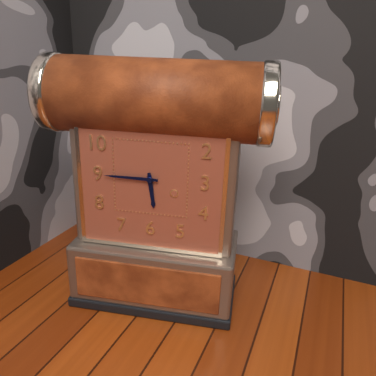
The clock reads **5:45**
